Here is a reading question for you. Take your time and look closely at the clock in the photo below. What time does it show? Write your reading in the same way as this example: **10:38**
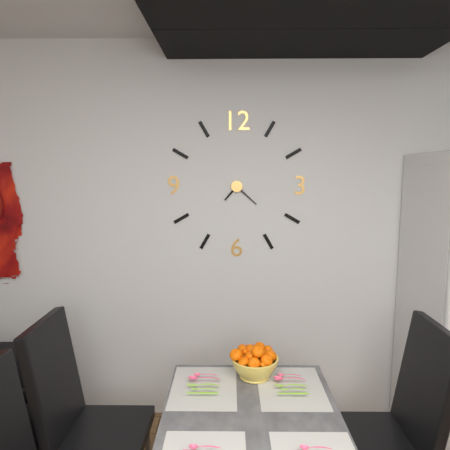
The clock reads **7:22**
